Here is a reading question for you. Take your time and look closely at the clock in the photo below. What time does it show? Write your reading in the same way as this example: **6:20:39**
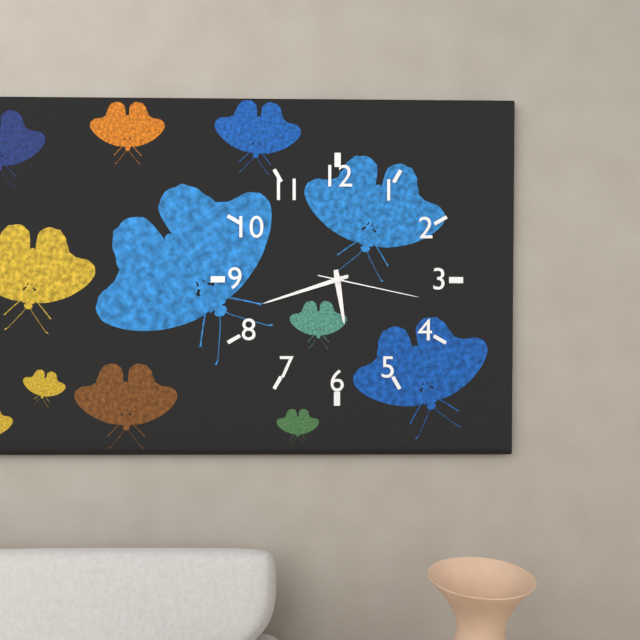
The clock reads **5:42:17**
